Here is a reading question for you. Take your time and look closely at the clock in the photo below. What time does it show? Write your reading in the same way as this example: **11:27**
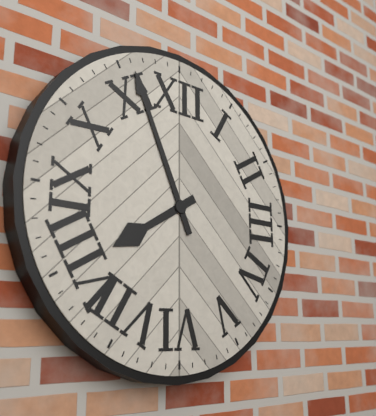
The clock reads **7:56**
